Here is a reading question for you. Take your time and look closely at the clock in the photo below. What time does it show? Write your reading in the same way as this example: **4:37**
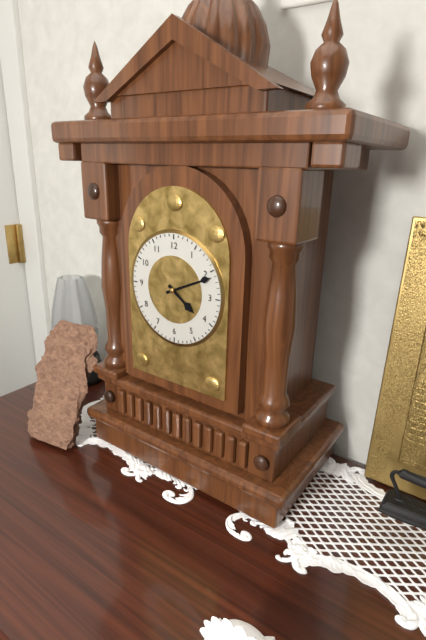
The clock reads **4:11**
